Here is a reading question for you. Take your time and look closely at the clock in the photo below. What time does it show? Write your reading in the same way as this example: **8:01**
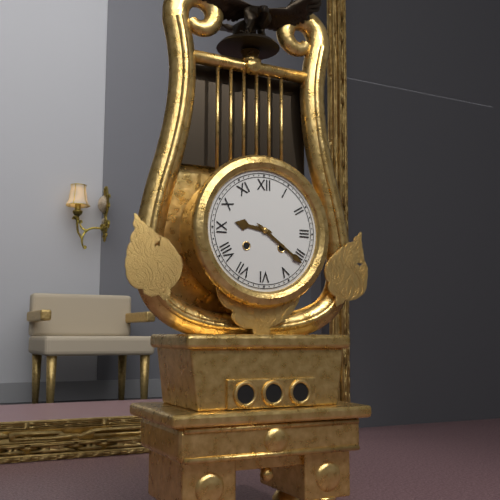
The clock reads **9:21**
